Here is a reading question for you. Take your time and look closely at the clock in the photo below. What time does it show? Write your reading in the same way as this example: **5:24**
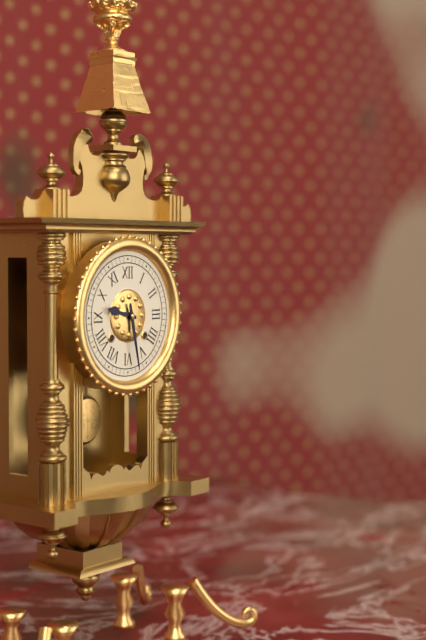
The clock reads **9:28**
